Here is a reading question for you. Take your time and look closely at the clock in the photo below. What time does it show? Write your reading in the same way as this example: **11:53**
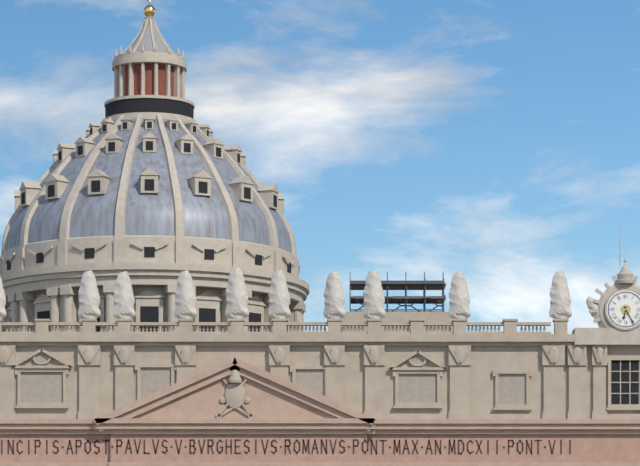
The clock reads **6:25**
